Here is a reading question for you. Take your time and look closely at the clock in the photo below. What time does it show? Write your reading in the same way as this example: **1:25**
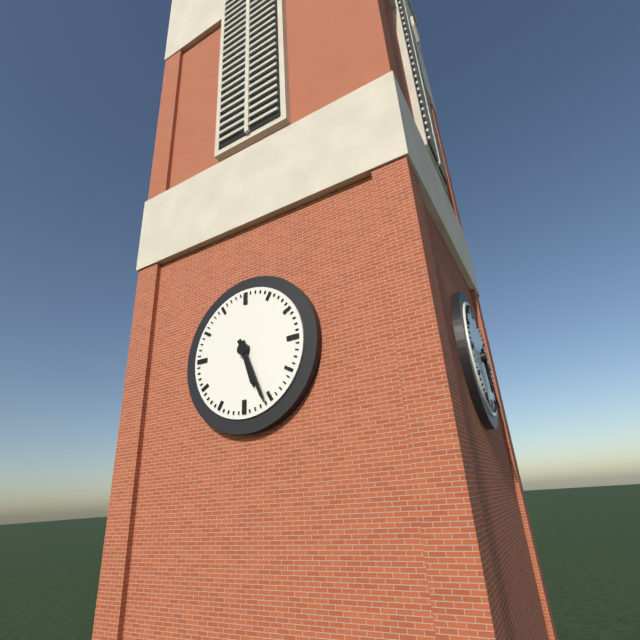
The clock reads **5:26**
